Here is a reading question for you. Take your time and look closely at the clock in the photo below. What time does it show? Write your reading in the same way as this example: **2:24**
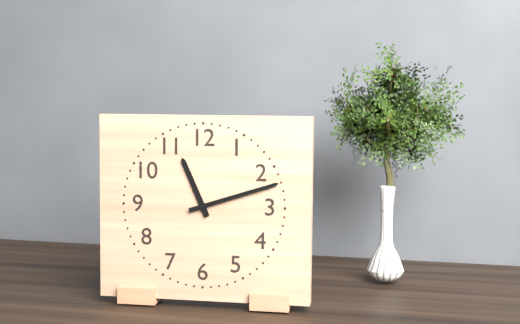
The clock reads **11:12**
